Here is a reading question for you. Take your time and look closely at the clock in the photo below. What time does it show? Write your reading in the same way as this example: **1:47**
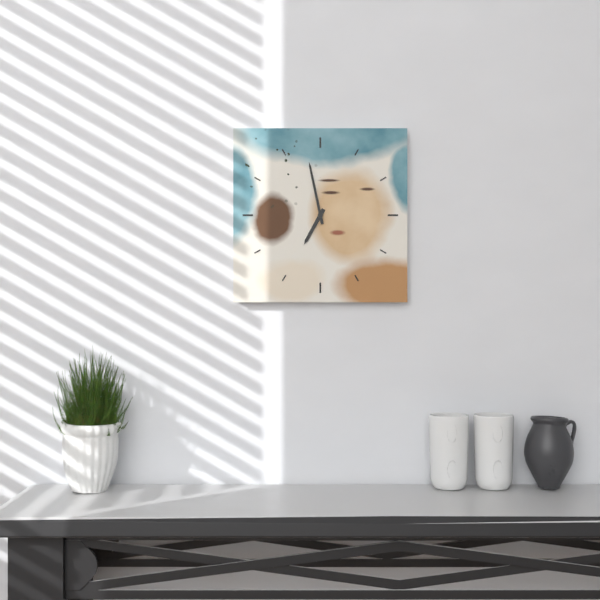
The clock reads **6:58**
